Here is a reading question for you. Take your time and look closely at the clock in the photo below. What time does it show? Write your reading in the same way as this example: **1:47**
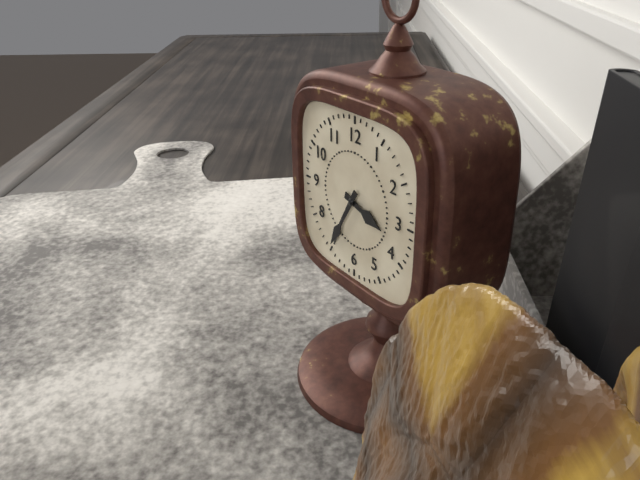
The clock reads **3:35**
